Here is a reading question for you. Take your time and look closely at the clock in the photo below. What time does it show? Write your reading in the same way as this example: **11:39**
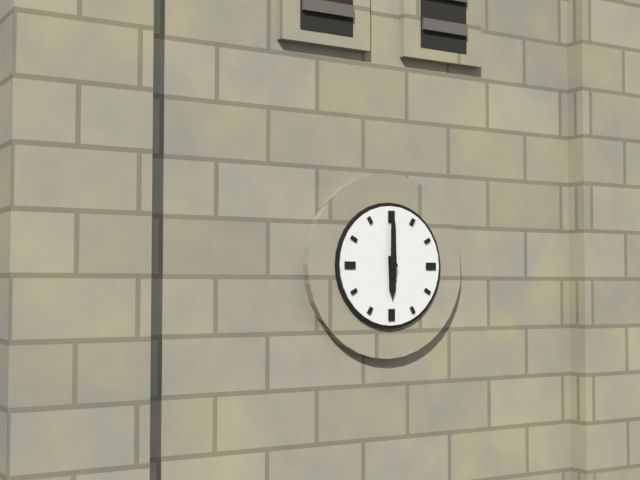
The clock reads **6:00**
